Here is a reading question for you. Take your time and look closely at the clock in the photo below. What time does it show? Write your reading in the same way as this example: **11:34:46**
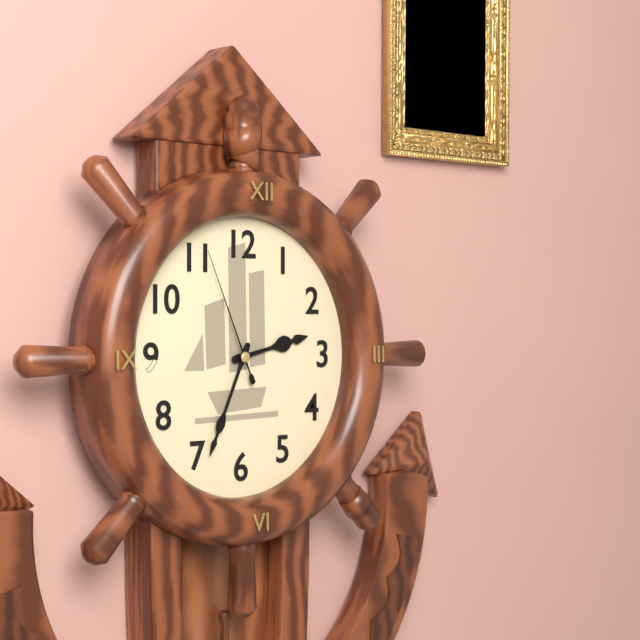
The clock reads **2:34:56**
